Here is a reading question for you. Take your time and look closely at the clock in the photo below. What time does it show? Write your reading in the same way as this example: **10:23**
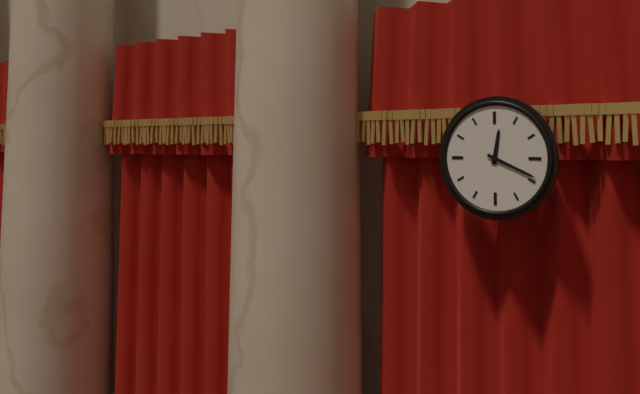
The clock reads **12:19**
